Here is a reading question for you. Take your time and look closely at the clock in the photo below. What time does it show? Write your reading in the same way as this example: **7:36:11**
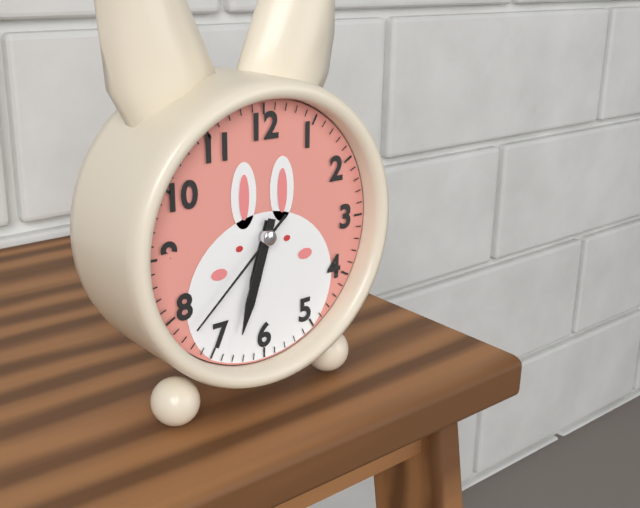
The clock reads **6:33:38**
